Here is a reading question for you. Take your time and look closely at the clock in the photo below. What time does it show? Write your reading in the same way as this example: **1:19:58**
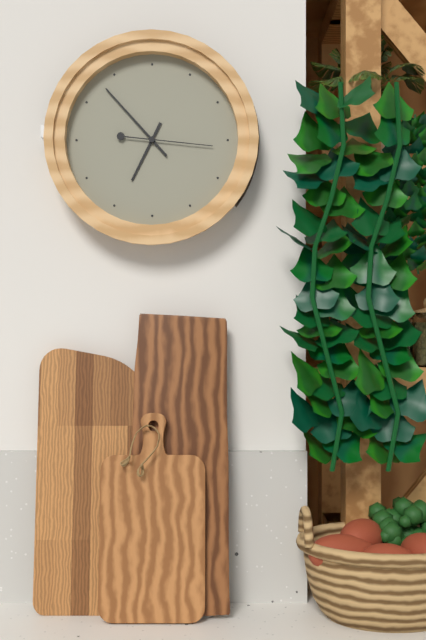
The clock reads **6:53:16**
